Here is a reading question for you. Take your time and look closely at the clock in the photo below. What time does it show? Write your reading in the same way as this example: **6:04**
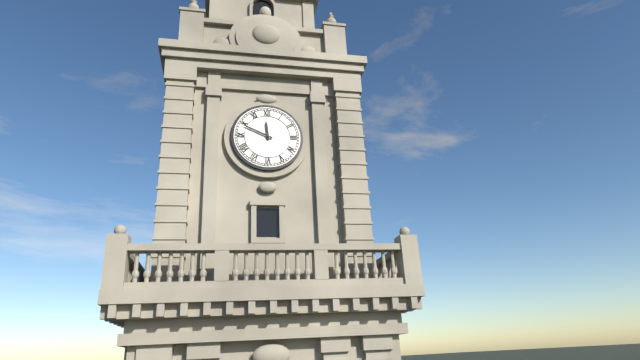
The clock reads **11:49**
